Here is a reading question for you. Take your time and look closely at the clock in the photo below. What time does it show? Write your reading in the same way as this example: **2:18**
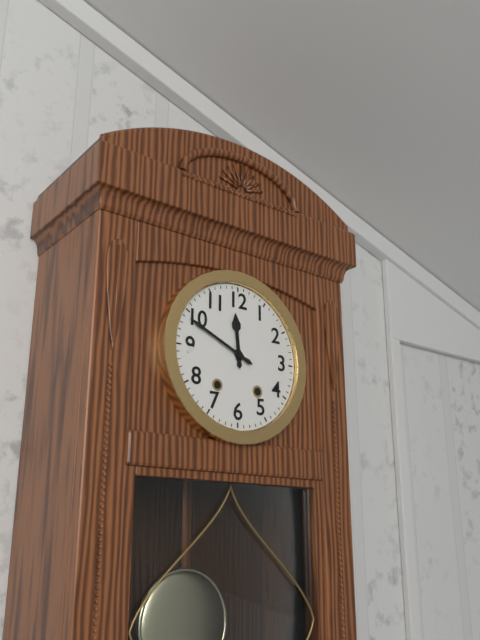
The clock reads **11:49**
